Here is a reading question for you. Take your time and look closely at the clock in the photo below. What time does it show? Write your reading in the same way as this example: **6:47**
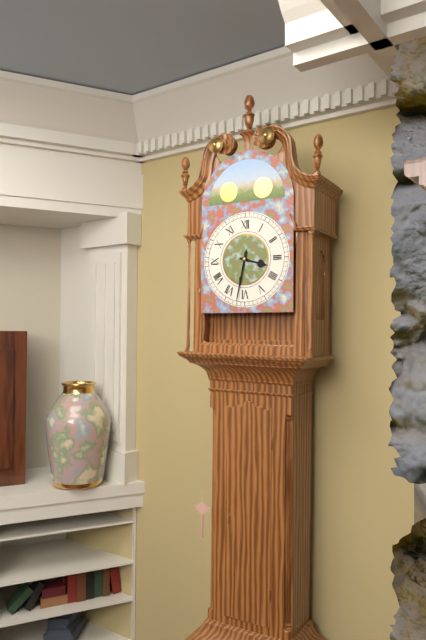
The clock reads **3:32**
